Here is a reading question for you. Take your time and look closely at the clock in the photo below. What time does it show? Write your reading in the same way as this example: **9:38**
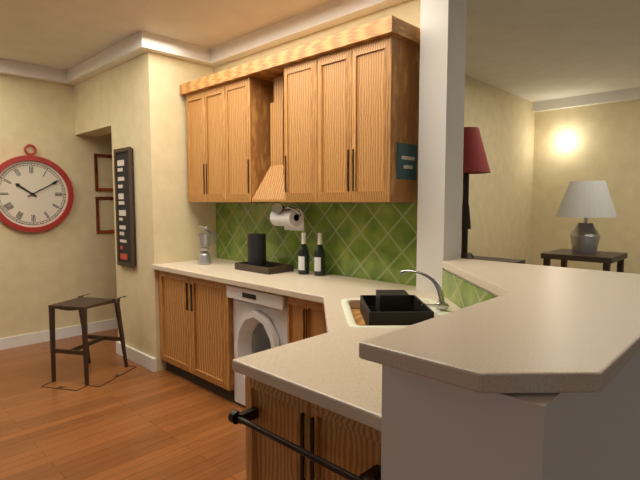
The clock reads **10:10**
